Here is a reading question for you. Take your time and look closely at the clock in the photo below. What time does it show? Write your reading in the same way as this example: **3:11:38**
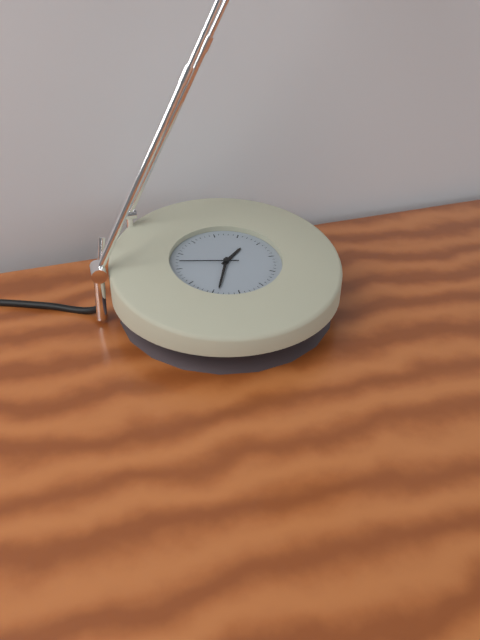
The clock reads **1:34:47**
